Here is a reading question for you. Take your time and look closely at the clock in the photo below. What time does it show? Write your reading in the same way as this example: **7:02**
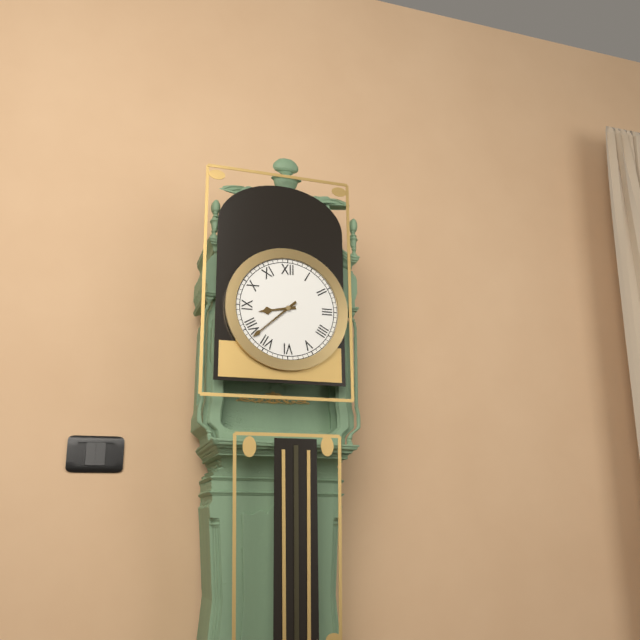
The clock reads **8:38**
